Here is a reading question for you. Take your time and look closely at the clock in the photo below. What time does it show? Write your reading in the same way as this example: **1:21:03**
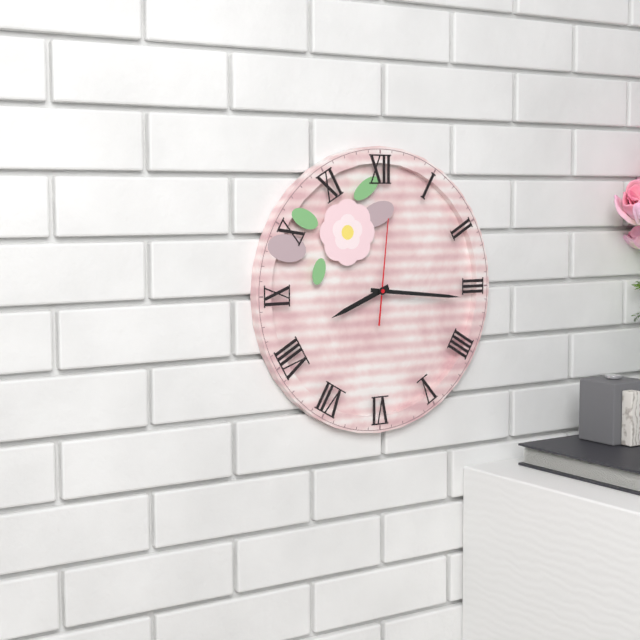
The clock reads **8:16:01**
